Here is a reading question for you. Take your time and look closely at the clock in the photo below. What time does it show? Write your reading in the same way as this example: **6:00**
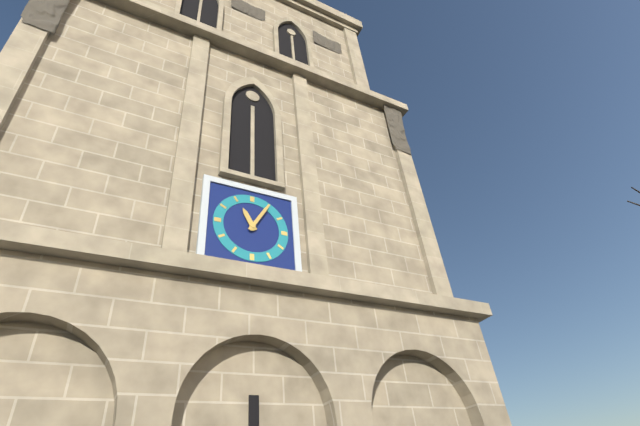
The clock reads **11:05**
